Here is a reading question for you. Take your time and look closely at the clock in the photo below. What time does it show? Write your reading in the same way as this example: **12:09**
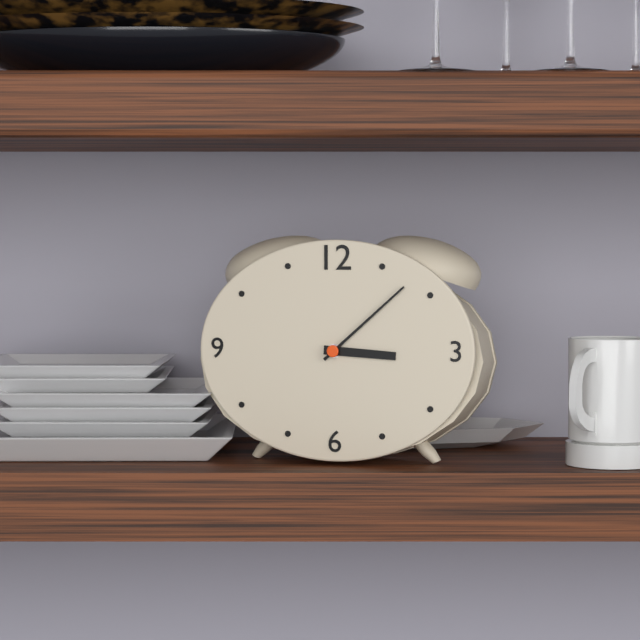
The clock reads **3:08**
